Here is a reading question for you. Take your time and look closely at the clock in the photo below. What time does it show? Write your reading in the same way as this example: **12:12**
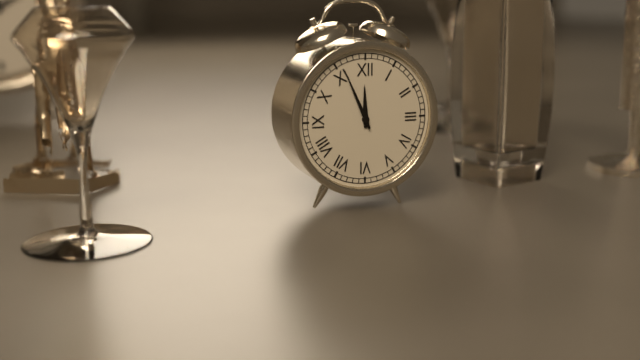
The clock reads **11:56**
